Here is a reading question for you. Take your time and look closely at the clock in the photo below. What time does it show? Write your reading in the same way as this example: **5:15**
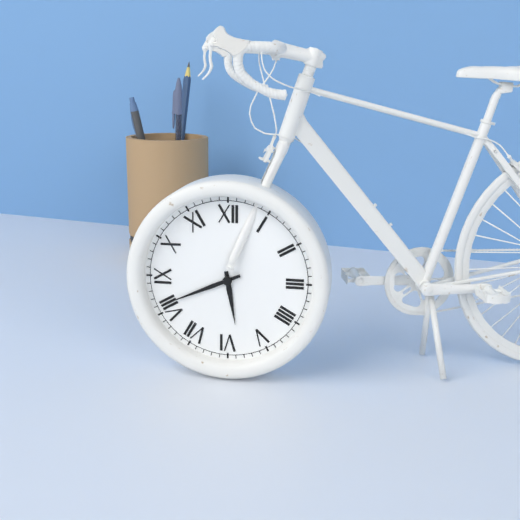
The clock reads **5:41**
